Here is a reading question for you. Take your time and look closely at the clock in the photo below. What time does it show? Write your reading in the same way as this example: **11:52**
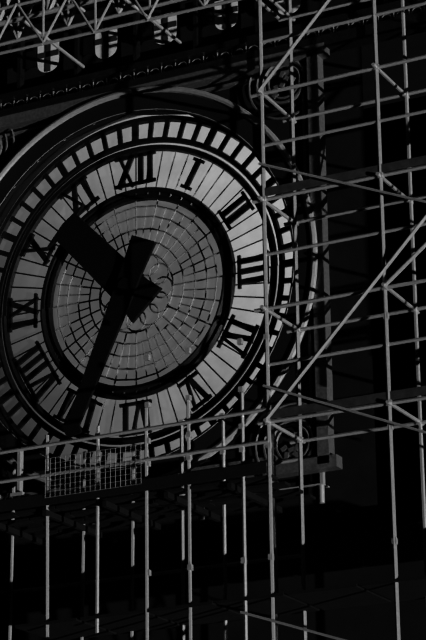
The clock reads **10:34**
